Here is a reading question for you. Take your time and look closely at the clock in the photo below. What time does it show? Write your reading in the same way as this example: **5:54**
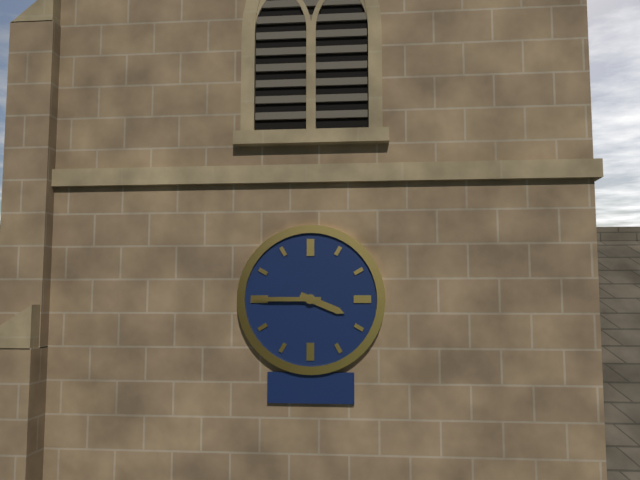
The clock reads **3:45**
